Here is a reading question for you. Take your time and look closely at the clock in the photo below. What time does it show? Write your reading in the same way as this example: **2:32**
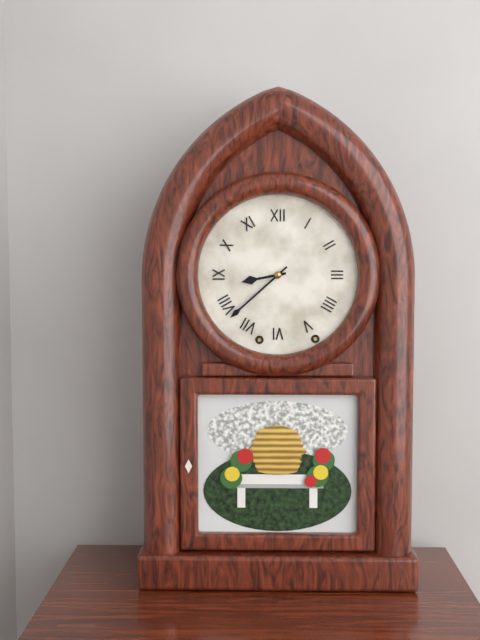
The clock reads **8:38**
